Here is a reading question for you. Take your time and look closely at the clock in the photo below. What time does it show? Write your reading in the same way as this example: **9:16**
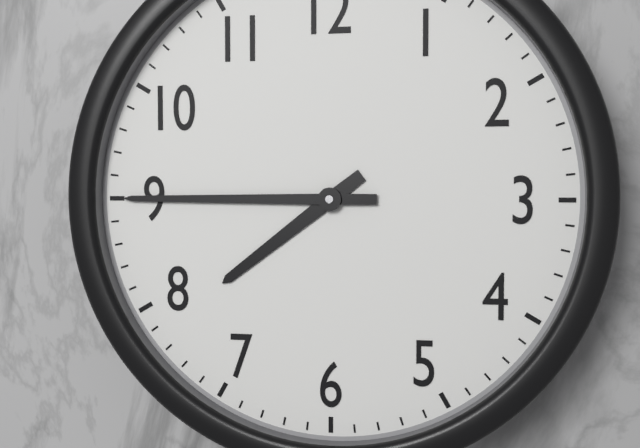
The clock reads **7:45**
